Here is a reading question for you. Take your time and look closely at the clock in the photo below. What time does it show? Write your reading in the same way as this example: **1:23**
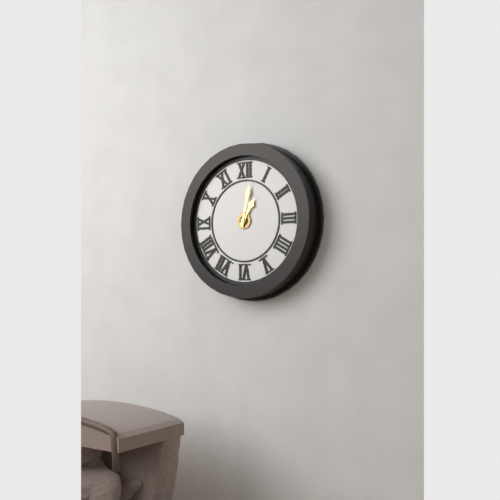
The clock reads **1:02**
